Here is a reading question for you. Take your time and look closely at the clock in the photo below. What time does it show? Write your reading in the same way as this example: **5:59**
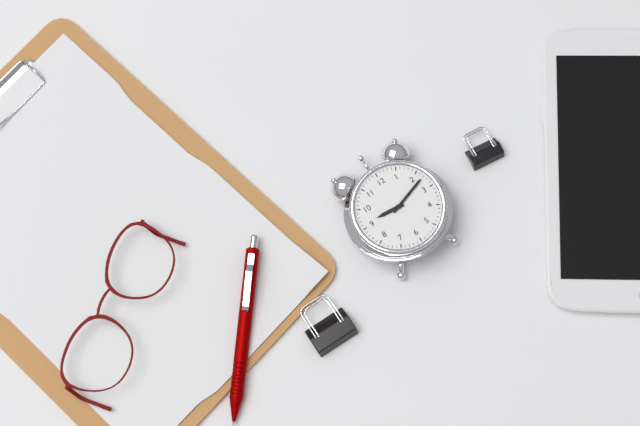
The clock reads **9:12**
